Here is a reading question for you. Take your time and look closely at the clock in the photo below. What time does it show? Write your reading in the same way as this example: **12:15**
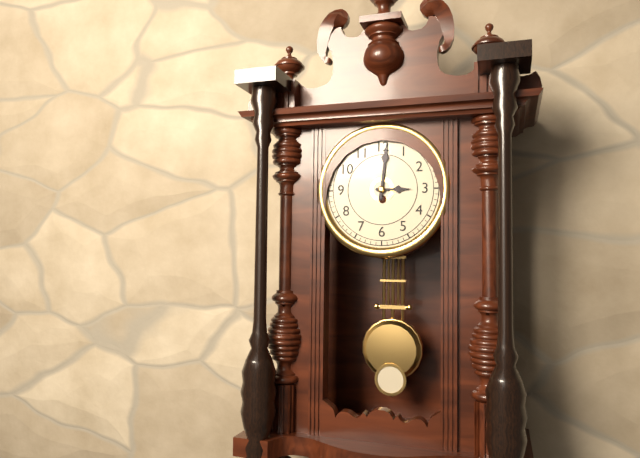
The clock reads **3:01**
